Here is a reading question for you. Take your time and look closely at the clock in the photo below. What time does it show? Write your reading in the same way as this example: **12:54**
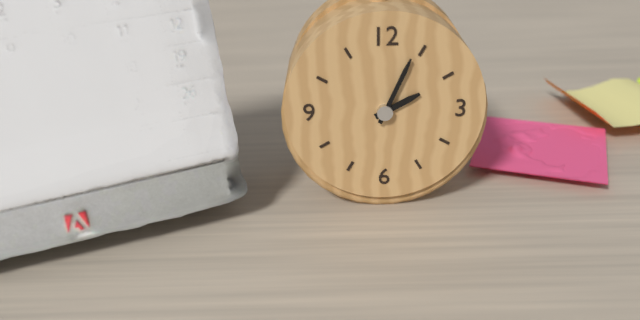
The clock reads **2:04**
